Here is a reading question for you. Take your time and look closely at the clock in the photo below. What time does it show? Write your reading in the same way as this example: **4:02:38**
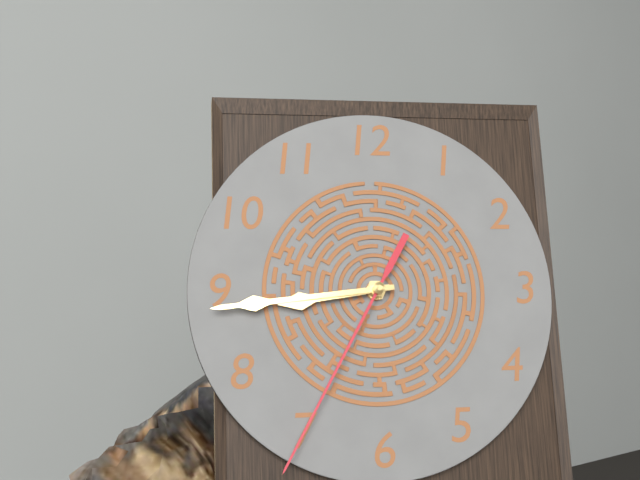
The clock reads **8:44:35**
